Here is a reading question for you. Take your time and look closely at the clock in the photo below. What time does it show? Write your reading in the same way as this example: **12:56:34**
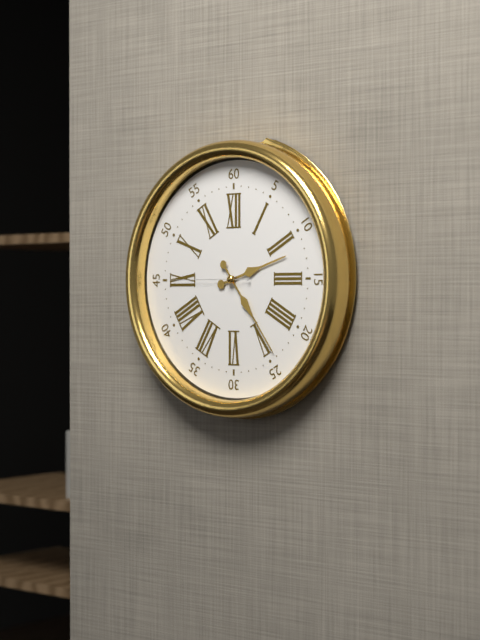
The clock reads **2:24:45**
